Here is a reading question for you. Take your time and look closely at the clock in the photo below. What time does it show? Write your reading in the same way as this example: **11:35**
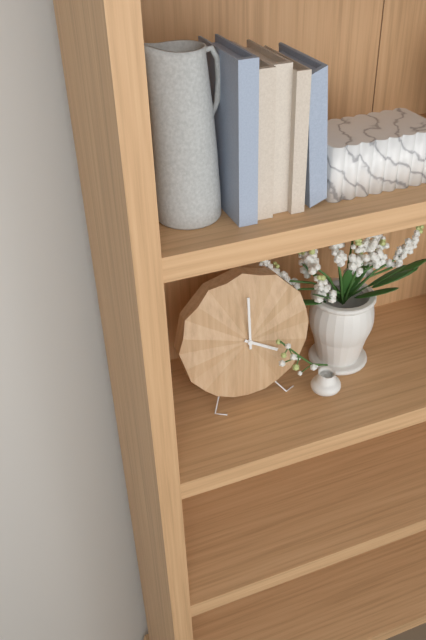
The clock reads **4:00**
